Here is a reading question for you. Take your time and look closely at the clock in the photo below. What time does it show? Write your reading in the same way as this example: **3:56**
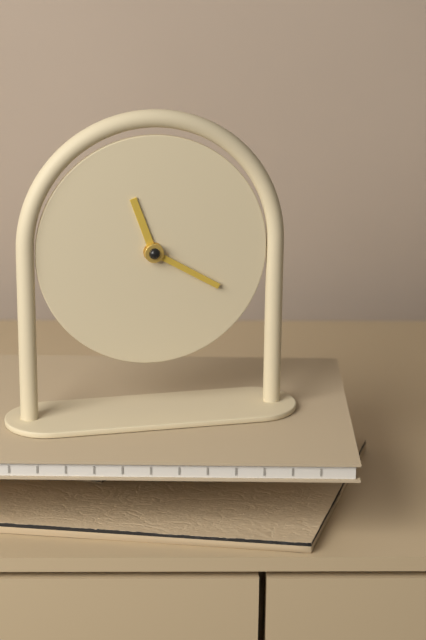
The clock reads **11:20**
